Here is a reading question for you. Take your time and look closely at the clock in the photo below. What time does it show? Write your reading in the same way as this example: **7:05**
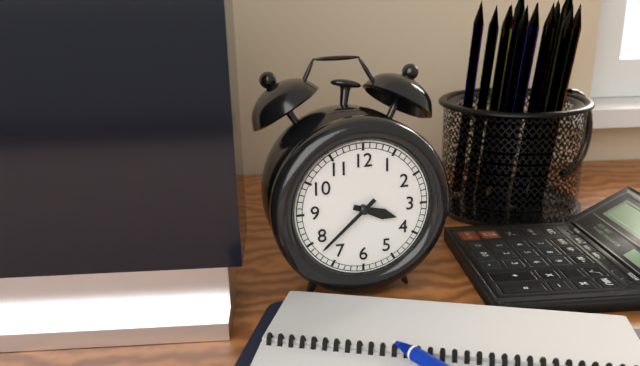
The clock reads **3:38**
